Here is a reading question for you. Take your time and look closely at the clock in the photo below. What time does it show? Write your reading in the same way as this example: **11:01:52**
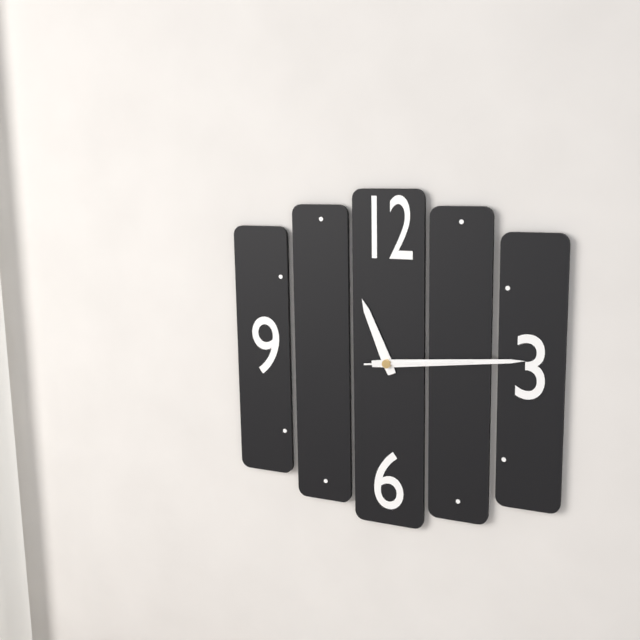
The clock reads **11:14:14**
